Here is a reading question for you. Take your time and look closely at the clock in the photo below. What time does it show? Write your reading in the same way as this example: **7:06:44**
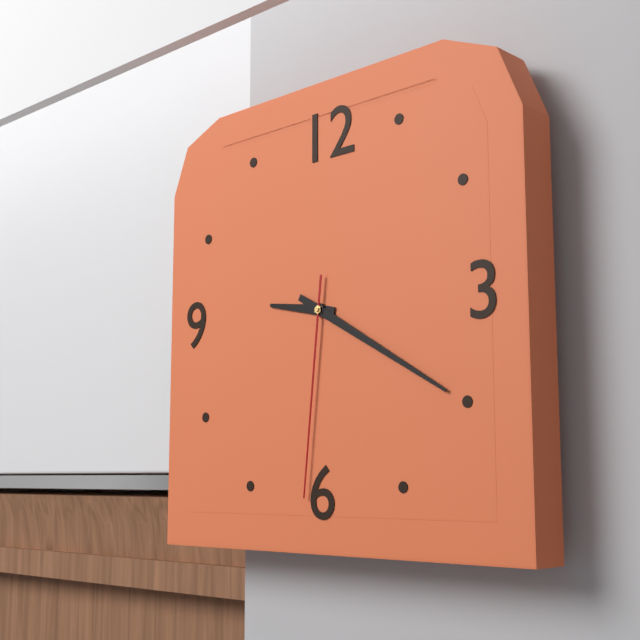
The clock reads **9:20:31**
